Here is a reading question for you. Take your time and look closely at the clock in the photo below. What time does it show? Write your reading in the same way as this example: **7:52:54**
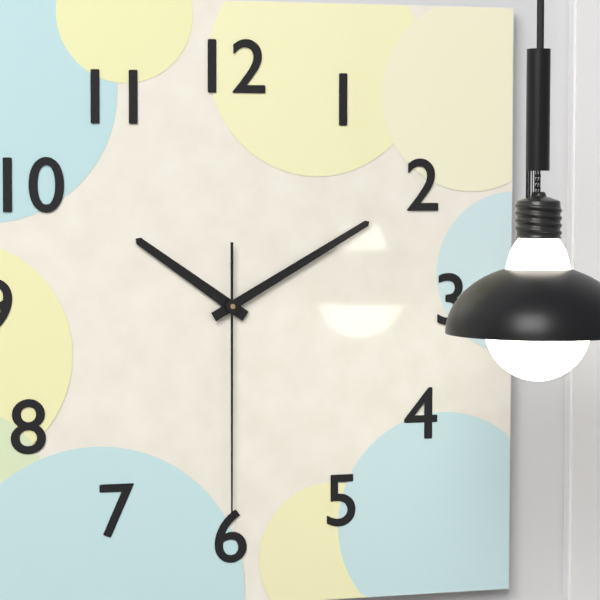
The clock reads **10:10:30**
